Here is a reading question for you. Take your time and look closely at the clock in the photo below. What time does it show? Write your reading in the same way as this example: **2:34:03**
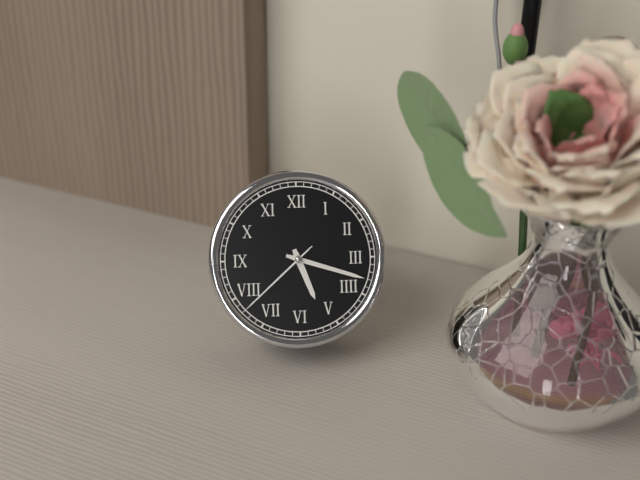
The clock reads **5:18:38**
